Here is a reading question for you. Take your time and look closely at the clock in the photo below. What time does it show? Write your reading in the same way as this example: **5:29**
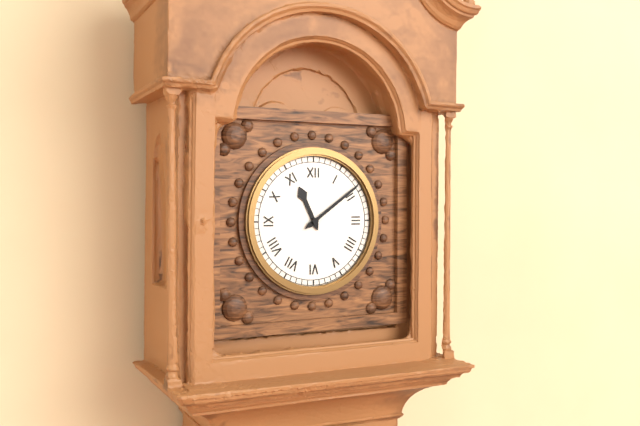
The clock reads **11:09**
